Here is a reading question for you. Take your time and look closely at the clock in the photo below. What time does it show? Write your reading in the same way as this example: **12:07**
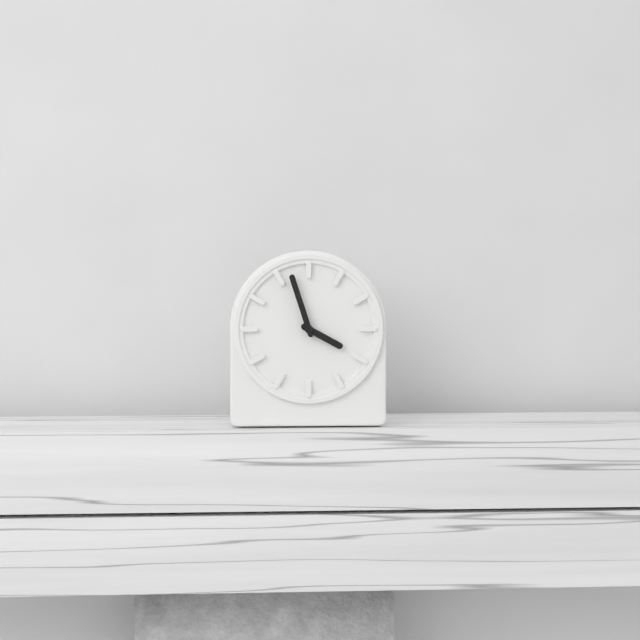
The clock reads **3:57**
